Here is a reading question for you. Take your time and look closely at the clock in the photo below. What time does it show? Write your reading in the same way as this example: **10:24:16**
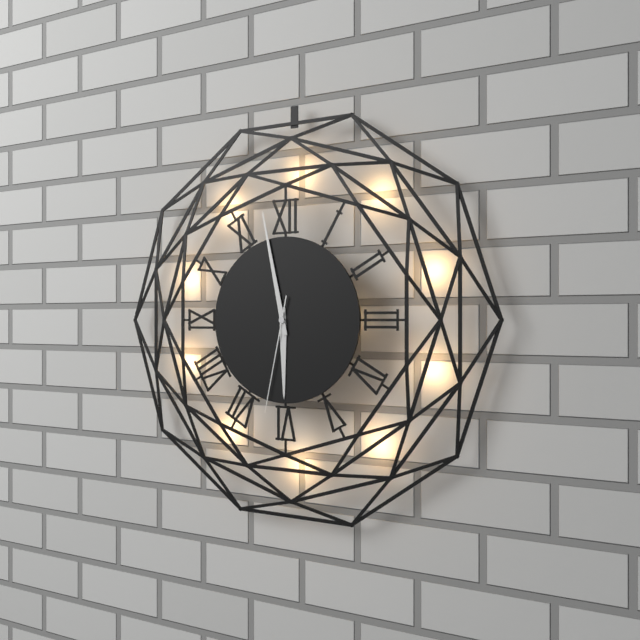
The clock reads **5:58:32**
